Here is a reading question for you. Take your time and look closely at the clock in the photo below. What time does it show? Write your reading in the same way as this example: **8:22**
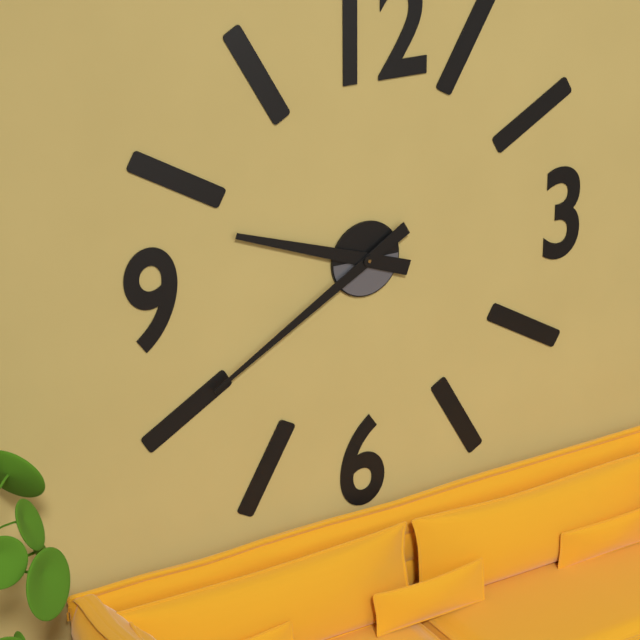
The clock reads **9:40**
